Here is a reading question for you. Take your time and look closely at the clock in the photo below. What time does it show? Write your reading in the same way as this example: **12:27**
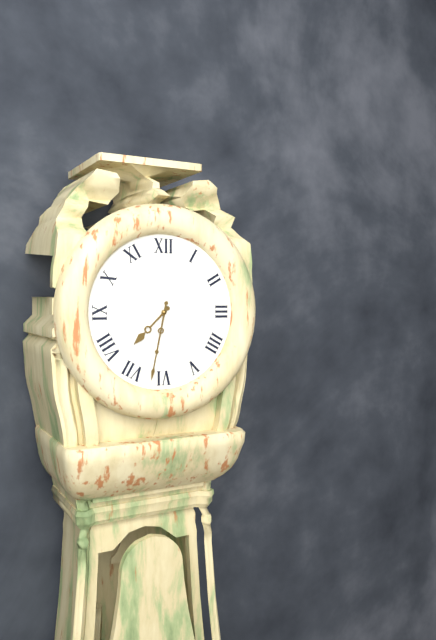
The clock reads **7:32**
